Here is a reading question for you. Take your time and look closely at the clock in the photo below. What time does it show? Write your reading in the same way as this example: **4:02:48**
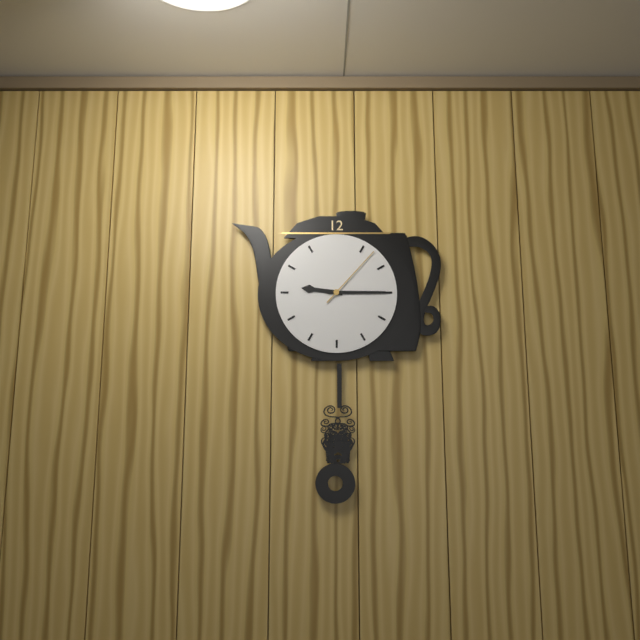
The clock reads **9:15:07**
